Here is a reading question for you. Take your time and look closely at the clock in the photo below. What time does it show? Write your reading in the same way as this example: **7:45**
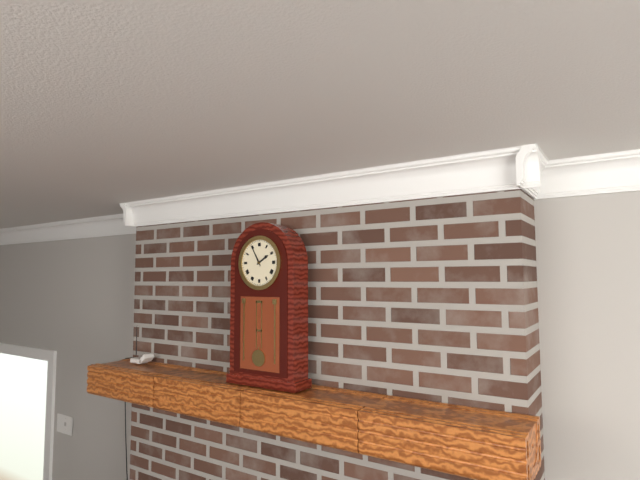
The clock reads **1:55**
